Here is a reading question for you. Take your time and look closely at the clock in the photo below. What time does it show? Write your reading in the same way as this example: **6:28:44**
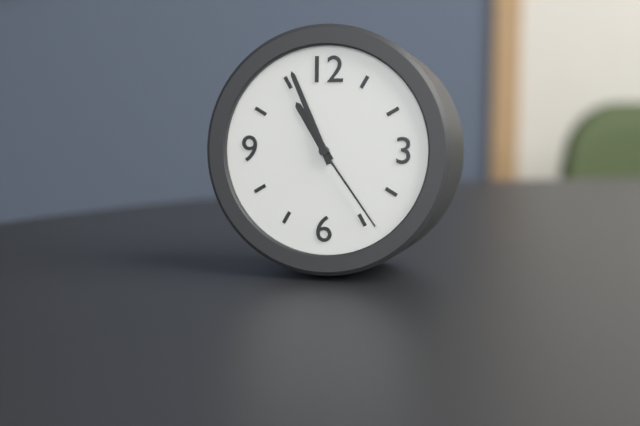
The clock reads **10:56:24**
